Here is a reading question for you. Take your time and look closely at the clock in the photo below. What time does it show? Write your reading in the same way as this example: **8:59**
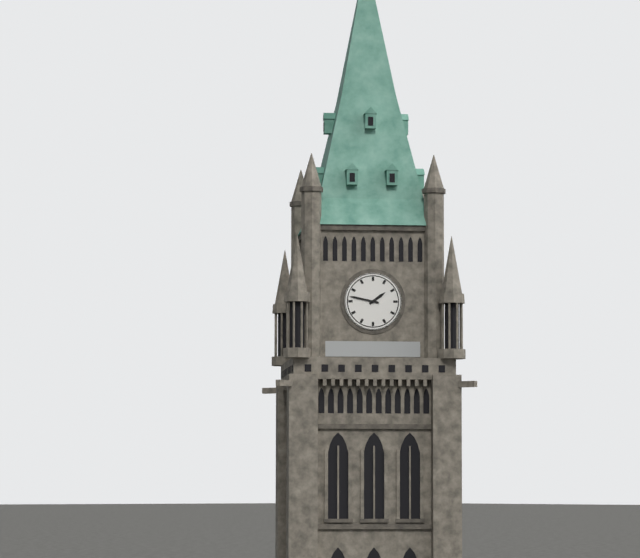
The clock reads **1:47**
